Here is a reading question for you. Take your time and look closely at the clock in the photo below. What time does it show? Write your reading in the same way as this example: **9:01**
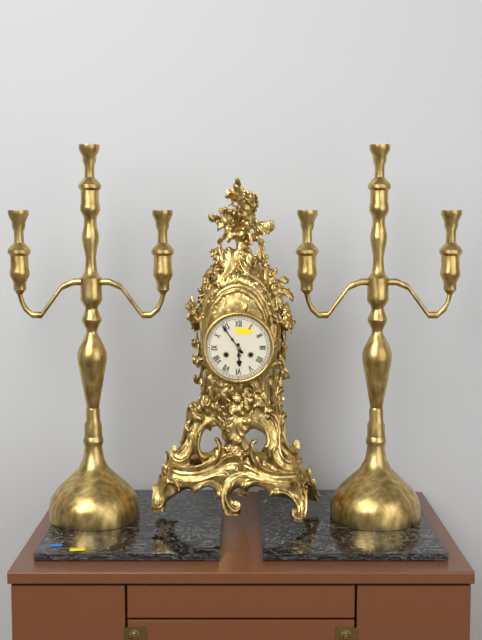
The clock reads **5:54**
